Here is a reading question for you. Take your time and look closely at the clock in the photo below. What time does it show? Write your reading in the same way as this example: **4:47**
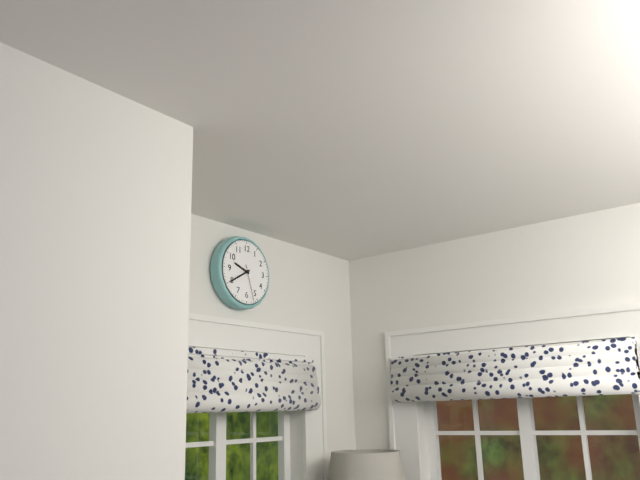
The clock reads **9:40**
